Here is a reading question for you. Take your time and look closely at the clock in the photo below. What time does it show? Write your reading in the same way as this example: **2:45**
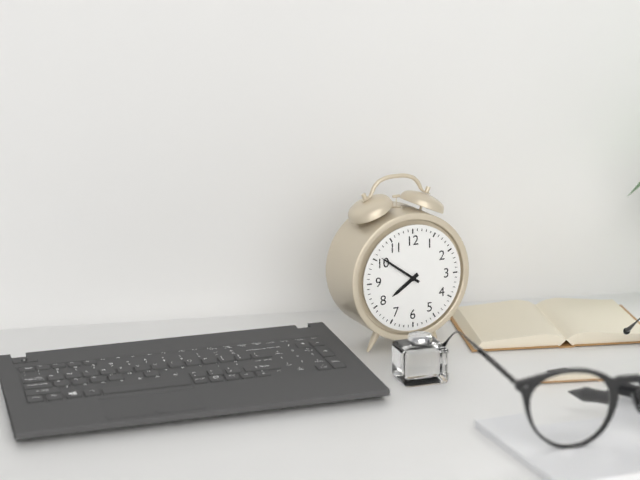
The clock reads **7:51**
